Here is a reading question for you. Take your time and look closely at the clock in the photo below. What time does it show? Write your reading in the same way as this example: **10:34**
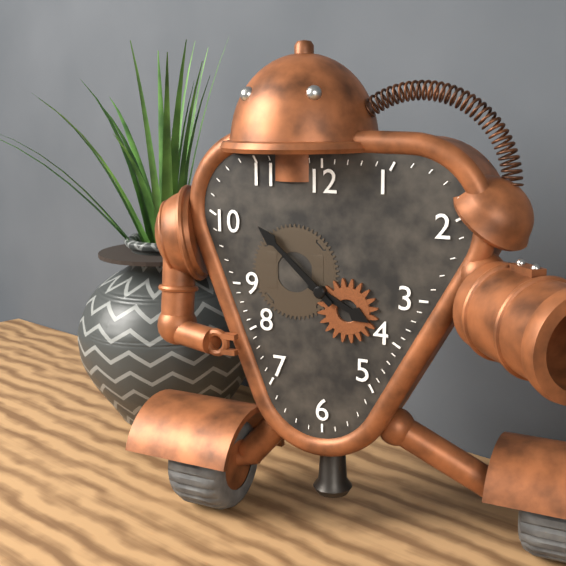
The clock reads **3:52**
